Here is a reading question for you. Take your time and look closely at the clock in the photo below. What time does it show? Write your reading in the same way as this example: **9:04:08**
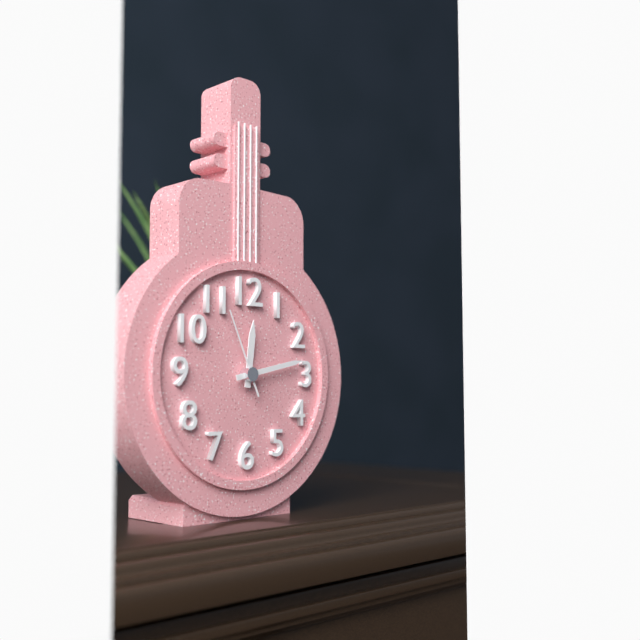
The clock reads **12:13:56**
